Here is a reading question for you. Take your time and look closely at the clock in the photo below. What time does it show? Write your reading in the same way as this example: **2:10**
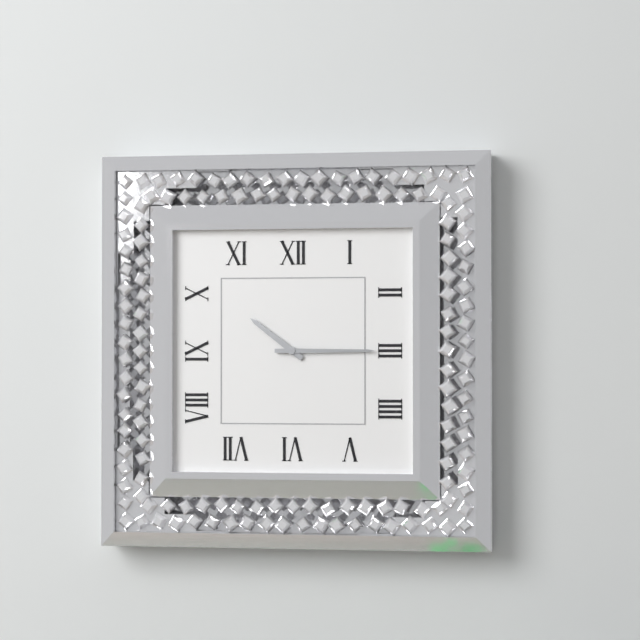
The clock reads **10:15**
